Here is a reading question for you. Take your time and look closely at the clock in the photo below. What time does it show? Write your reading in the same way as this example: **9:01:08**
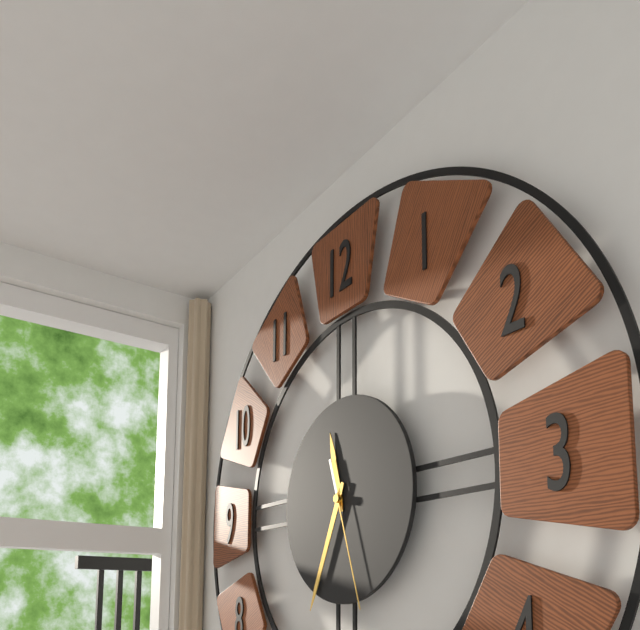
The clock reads **11:34:27**
